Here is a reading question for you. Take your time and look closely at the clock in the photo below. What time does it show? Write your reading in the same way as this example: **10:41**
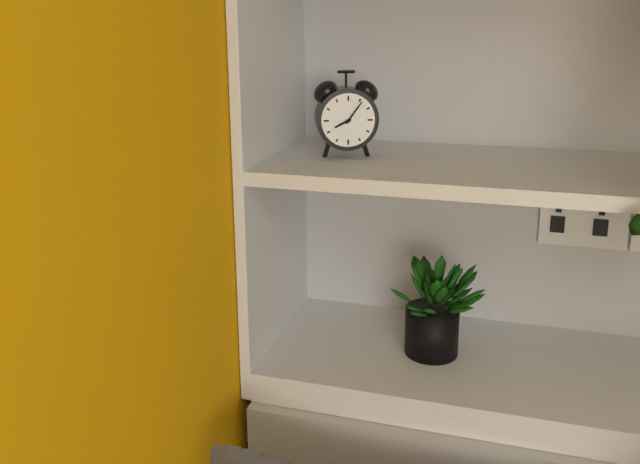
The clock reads **8:06**
